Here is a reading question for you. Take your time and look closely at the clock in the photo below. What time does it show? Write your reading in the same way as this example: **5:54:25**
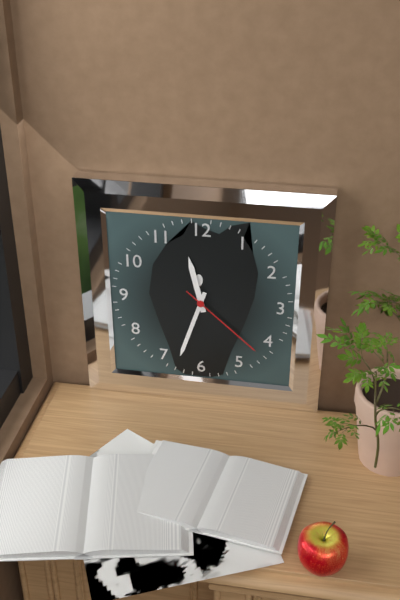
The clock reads **11:33:22**
